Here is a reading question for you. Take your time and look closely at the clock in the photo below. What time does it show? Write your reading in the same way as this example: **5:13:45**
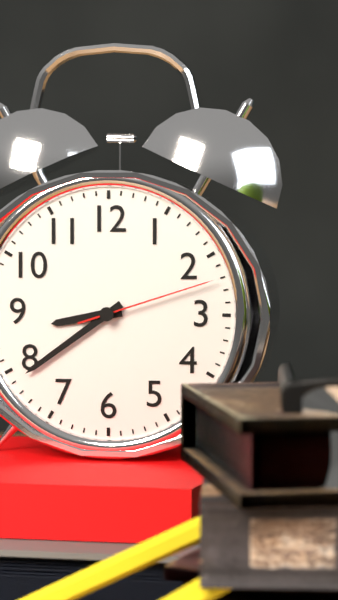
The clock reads **8:39:12**
